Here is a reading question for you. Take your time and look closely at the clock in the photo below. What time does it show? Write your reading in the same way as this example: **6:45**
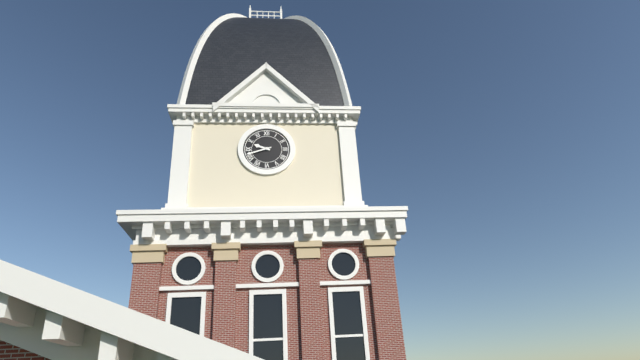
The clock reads **9:42**
